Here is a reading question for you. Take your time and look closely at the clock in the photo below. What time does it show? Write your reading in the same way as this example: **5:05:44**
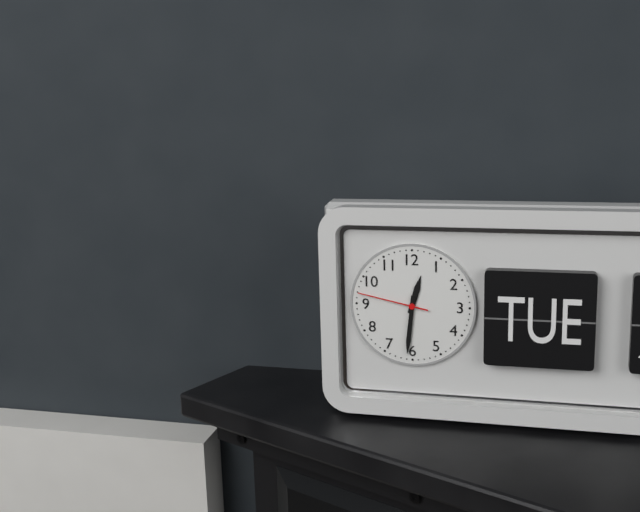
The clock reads **12:31:47**
